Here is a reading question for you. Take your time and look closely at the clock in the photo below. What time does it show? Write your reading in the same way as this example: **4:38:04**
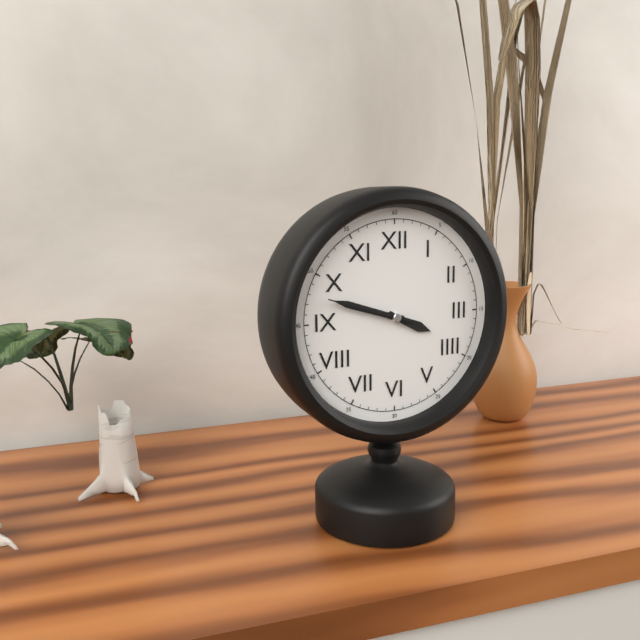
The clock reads **3:48:48**
